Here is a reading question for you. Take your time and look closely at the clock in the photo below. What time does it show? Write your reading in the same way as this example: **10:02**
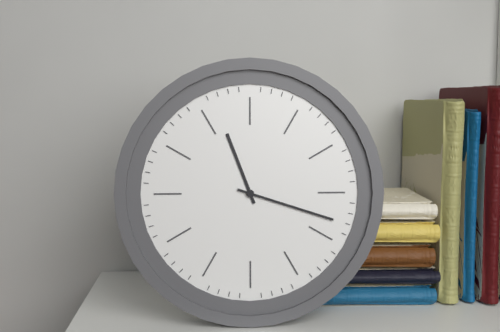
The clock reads **11:18**
